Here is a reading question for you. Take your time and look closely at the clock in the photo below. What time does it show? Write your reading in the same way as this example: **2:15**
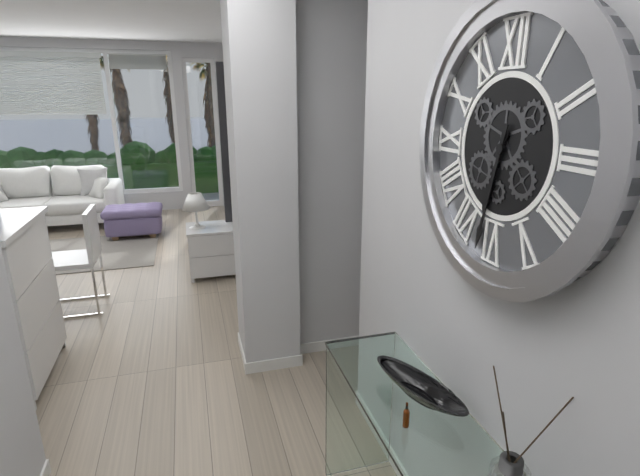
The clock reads **6:32**
